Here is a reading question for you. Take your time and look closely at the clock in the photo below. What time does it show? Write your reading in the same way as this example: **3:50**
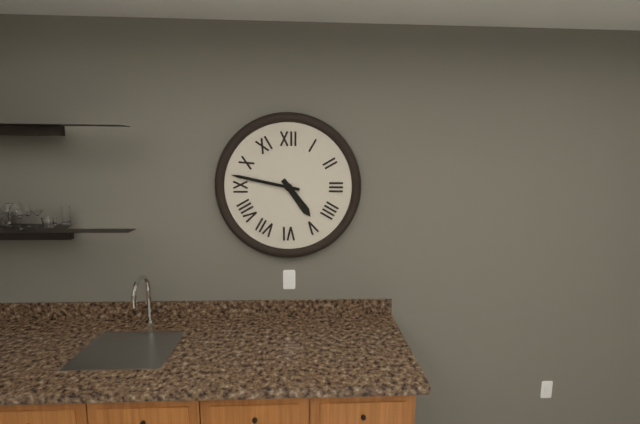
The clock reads **4:47**
